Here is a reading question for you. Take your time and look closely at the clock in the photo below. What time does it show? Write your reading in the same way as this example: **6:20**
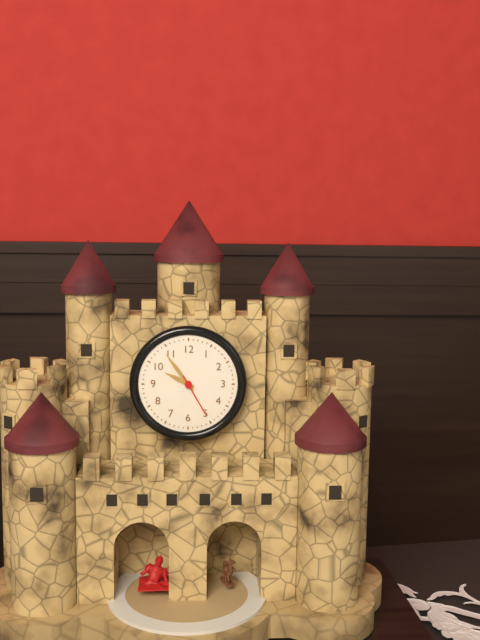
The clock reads **9:54**
